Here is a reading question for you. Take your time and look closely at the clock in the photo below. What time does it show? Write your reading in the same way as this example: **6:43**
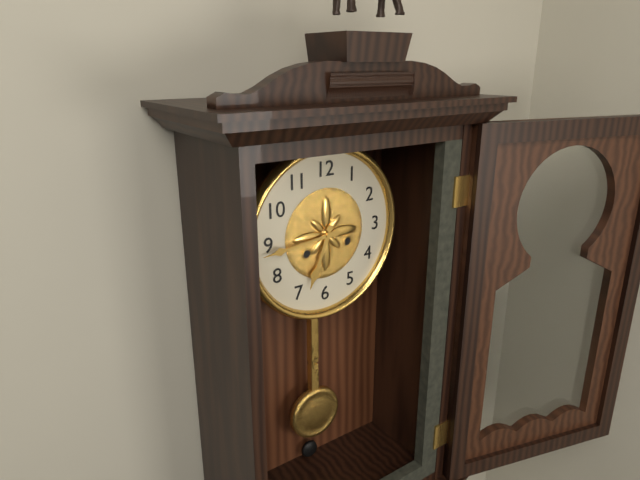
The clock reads **6:44**
